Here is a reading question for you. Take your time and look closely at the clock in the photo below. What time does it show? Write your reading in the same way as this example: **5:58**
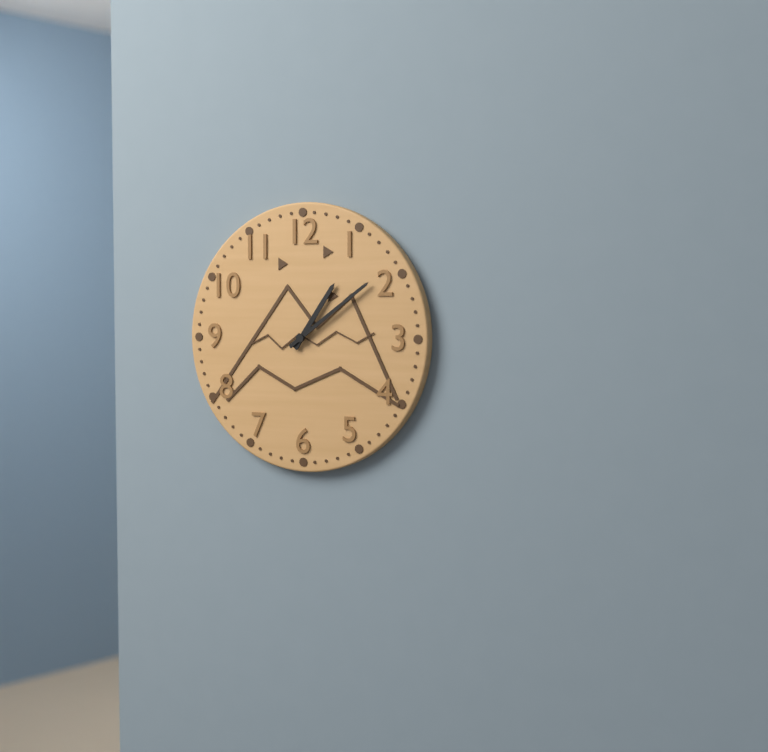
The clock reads **1:09**
